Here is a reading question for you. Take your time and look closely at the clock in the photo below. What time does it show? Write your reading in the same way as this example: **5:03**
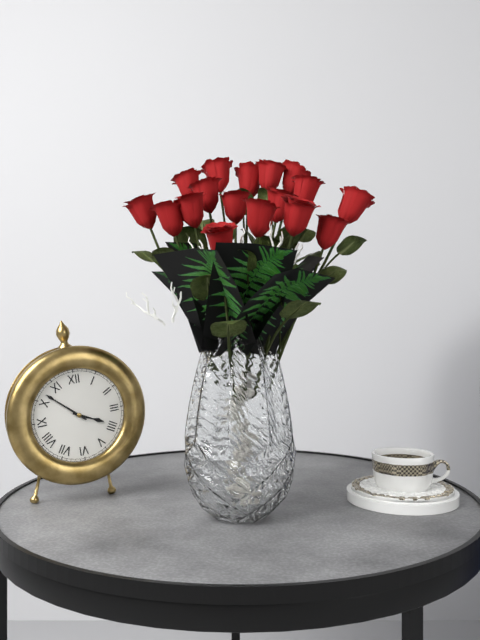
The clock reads **3:52**
